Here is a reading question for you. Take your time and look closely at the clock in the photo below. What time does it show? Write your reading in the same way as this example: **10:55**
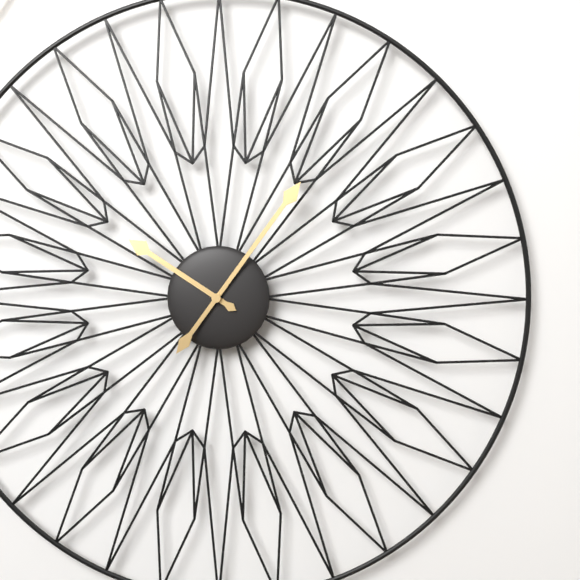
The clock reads **10:06**
